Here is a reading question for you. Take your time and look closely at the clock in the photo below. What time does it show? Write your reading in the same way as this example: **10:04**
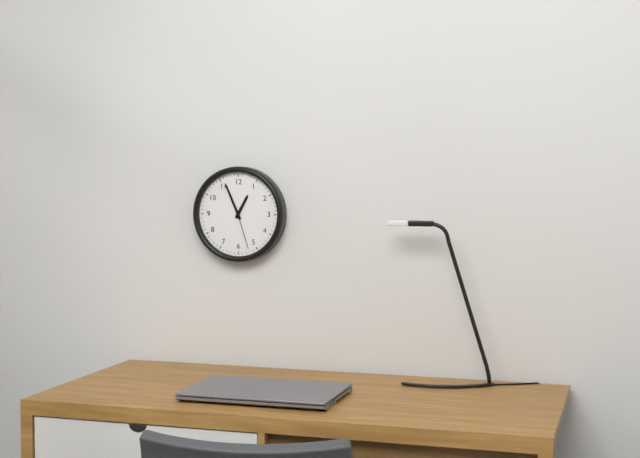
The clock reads **12:56**
